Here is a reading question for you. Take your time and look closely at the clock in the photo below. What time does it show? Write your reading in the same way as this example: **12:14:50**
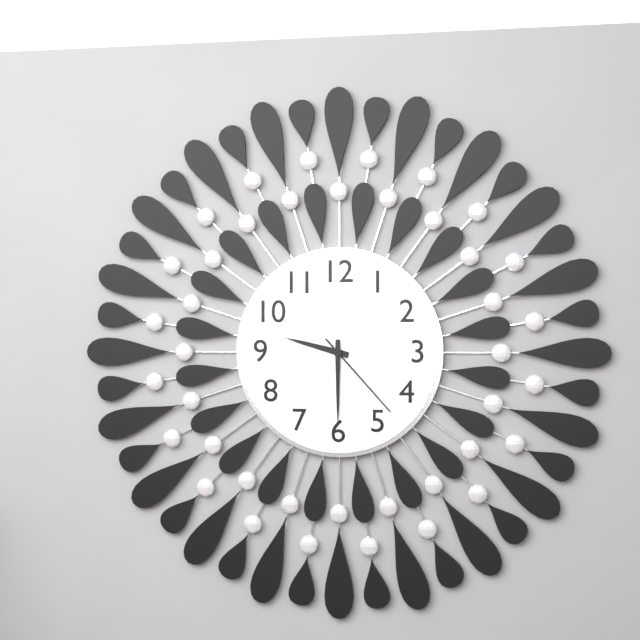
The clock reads **9:30:23**
